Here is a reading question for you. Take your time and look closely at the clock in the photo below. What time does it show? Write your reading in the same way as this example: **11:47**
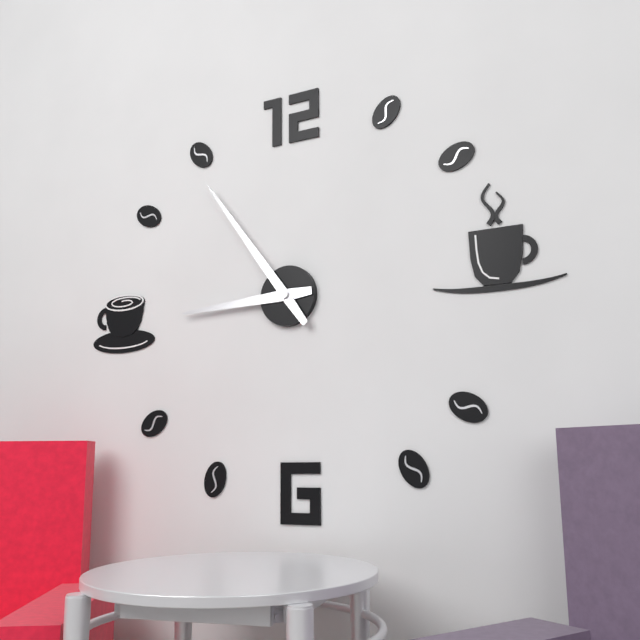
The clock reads **8:54**
